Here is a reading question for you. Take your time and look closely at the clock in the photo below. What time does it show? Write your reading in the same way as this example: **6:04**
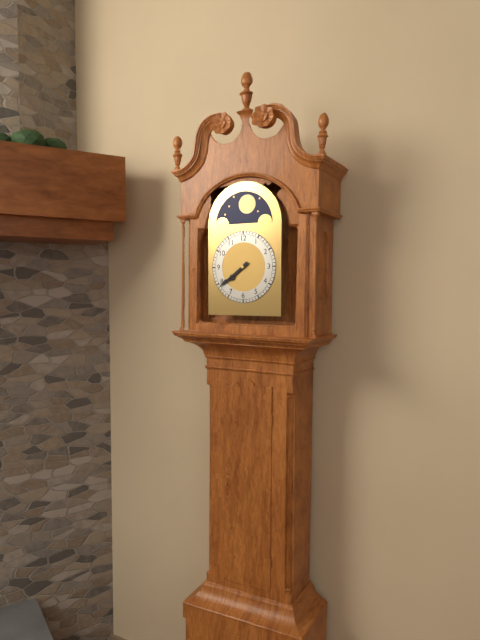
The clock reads **7:39**
